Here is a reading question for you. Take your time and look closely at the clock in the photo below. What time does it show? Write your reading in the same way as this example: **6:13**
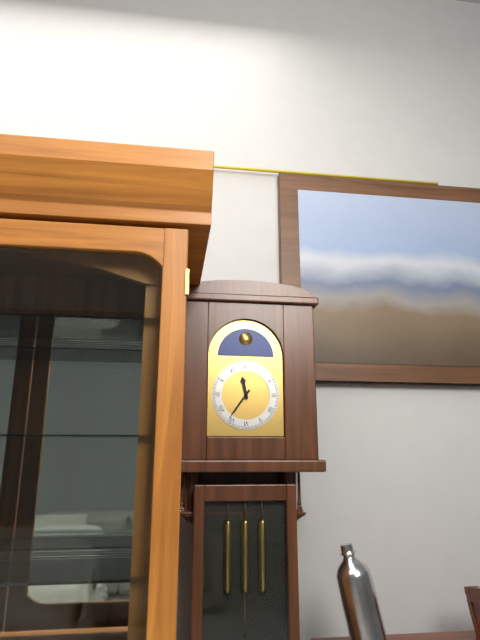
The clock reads **11:36**
